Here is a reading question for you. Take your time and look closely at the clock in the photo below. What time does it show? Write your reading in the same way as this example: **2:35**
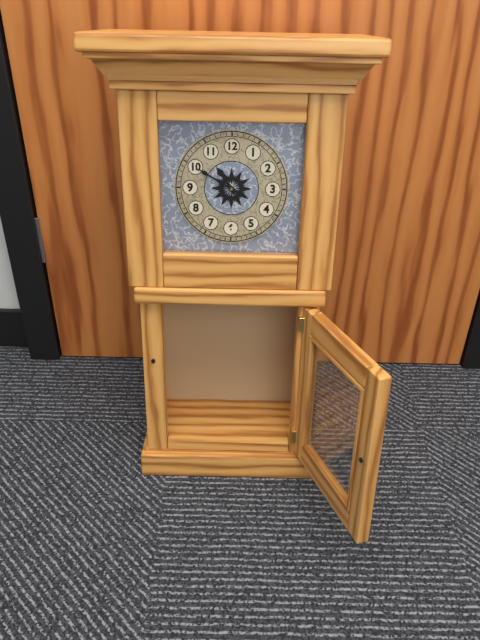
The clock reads **10:50**
